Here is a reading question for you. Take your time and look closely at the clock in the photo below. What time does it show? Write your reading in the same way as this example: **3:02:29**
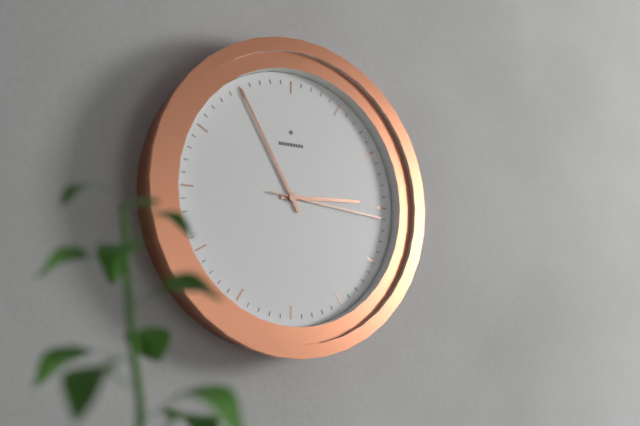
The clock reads **2:55:16**
